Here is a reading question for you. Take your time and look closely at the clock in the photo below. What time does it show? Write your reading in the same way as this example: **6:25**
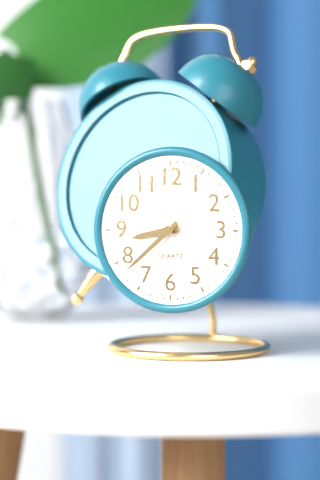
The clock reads **8:38**
